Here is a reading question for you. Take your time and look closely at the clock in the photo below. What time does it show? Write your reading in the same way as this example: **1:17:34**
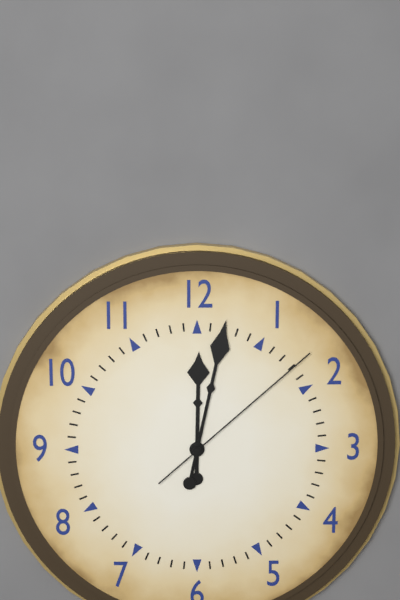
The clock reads **12:02:08**
